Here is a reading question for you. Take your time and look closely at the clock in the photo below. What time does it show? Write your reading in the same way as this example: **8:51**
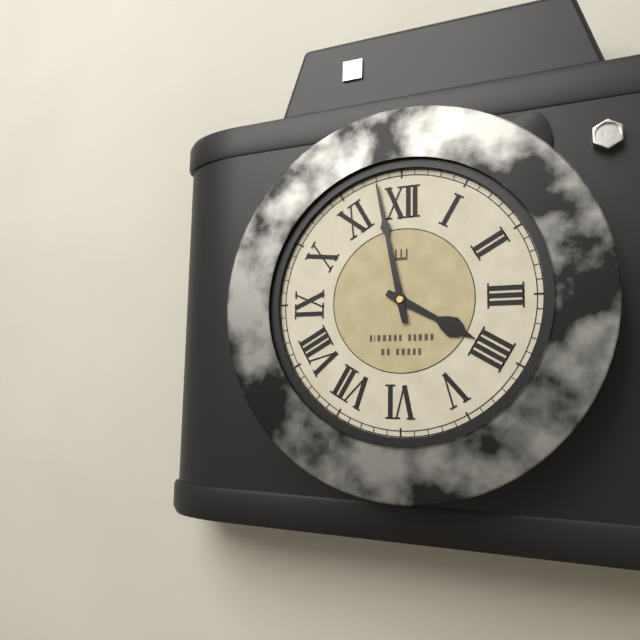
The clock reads **3:58**
